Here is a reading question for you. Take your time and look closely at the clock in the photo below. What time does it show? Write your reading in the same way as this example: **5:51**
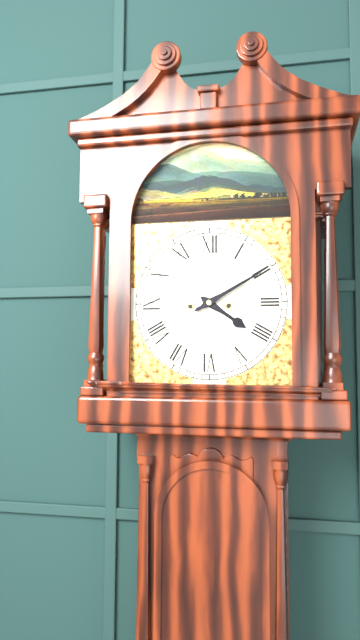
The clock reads **4:10**
